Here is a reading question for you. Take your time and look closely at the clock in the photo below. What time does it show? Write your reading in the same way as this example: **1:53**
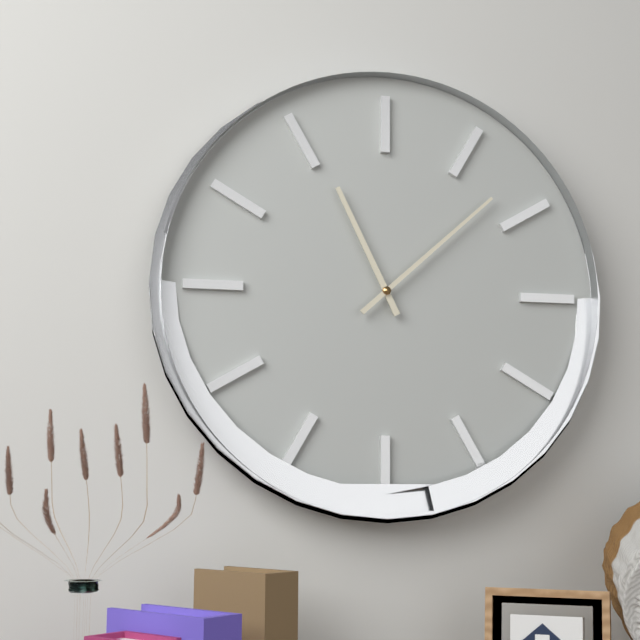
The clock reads **11:08**
